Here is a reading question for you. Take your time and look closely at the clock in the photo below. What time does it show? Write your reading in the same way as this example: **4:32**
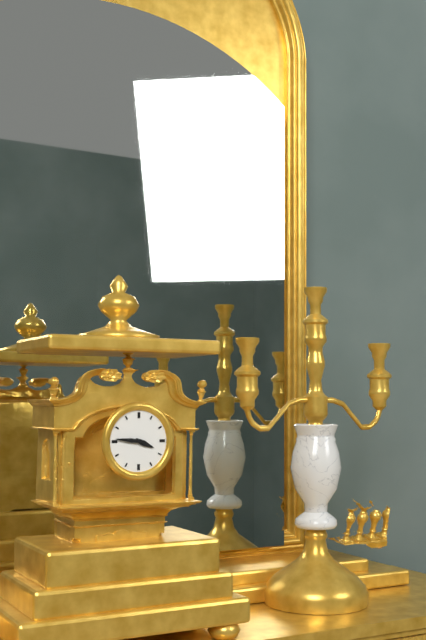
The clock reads **3:46**
